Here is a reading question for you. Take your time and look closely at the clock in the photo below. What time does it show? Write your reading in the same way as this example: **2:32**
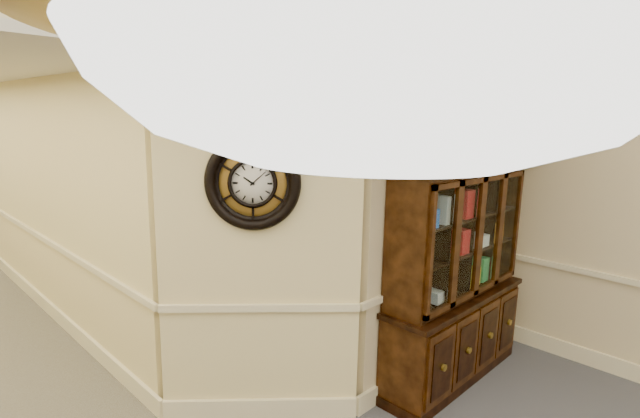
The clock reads **10:08**
